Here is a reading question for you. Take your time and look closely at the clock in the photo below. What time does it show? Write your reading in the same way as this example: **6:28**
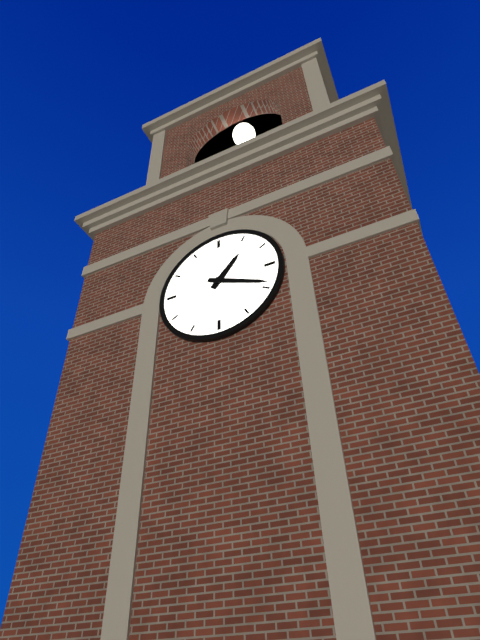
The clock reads **1:19**
